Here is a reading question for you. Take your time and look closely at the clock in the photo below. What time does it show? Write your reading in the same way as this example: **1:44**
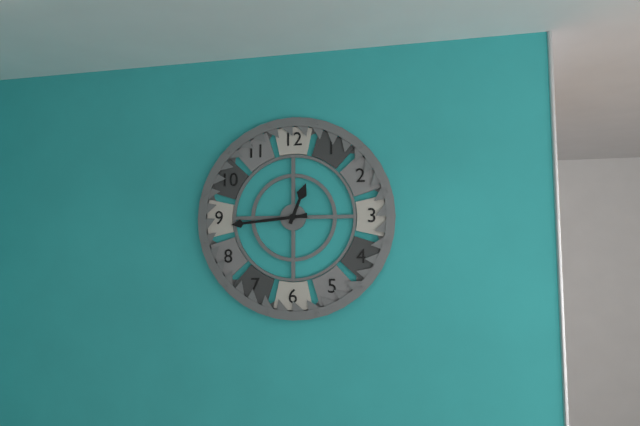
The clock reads **12:44**
